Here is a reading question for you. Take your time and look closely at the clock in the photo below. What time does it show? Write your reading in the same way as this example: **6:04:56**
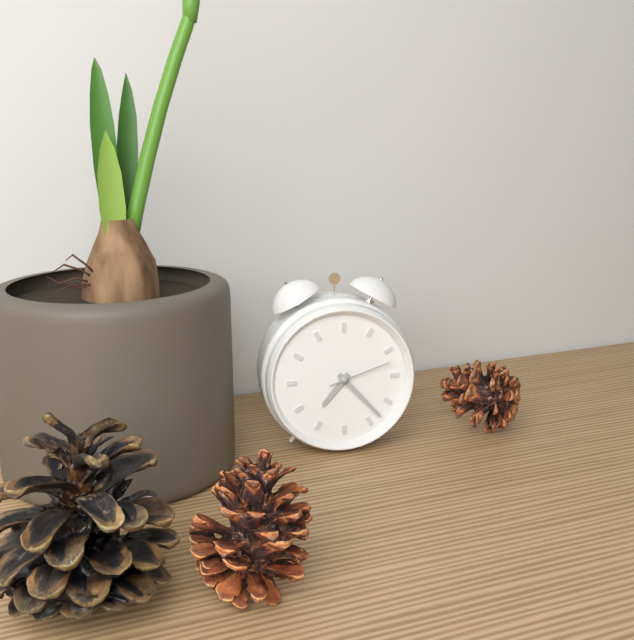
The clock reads **7:23:12**
